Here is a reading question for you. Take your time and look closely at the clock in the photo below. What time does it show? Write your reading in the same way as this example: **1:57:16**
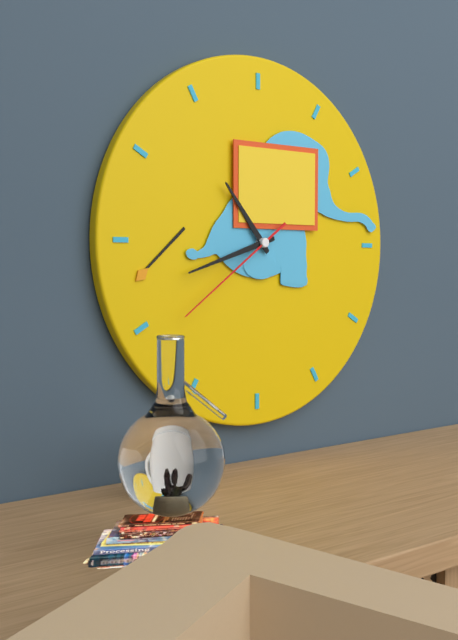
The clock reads **10:42:39**
